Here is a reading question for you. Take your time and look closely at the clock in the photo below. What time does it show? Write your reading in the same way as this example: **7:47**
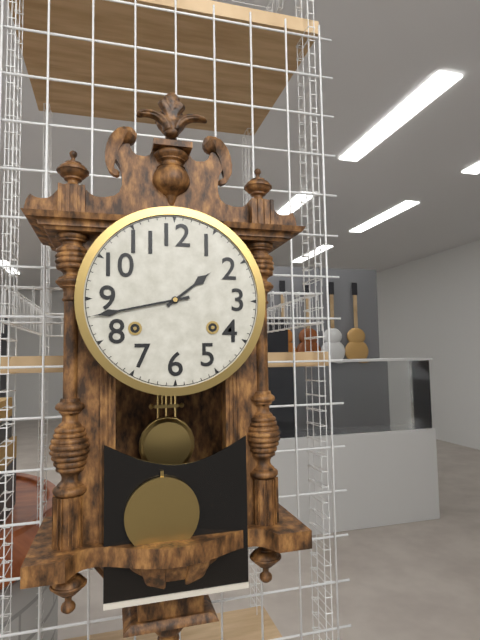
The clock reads **1:43**
